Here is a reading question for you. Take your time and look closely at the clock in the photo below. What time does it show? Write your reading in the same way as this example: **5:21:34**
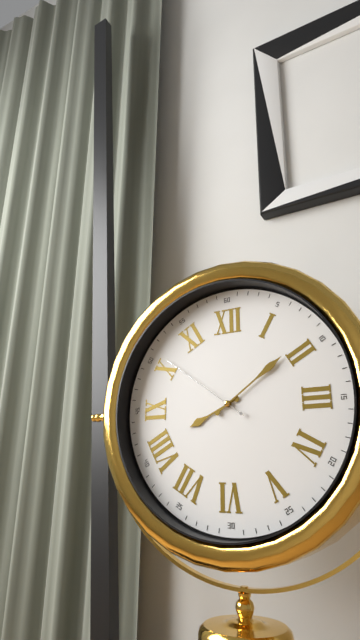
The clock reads **8:09:51**
